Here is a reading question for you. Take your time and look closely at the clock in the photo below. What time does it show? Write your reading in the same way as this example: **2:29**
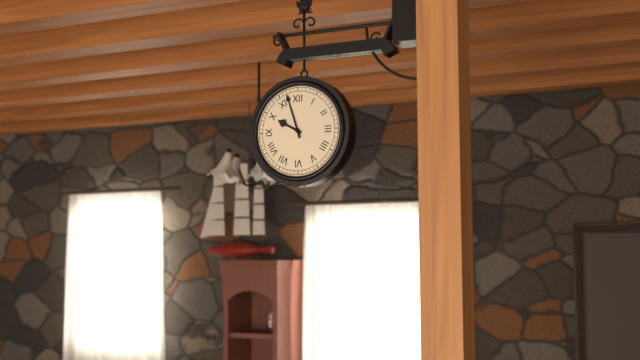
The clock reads **9:57**
